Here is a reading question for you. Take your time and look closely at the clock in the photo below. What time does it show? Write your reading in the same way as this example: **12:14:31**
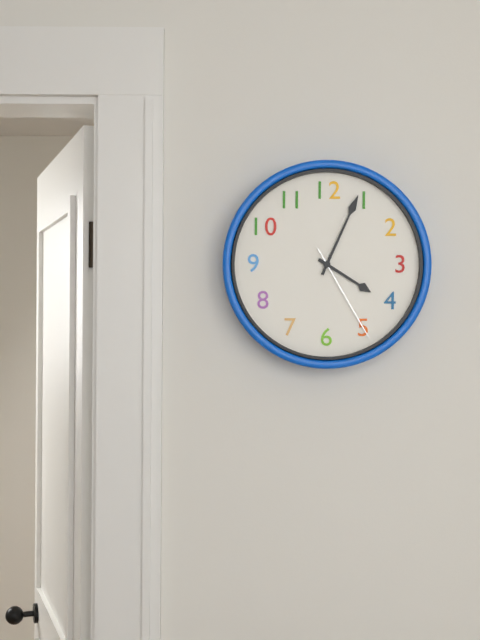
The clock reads **4:04:25**
